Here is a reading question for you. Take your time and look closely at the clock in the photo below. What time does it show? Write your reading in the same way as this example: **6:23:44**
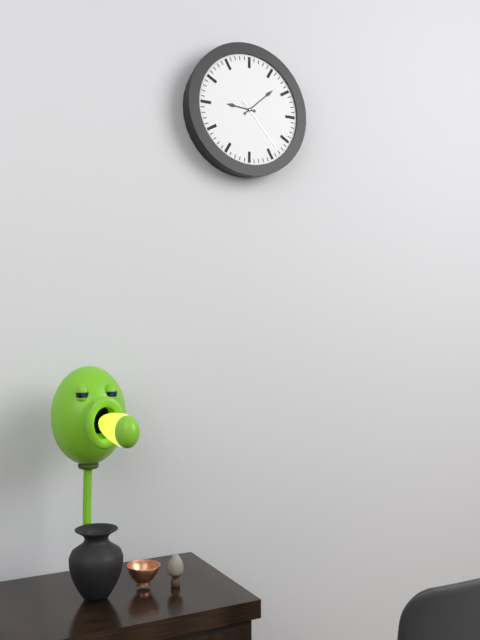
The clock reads **9:08:23**
